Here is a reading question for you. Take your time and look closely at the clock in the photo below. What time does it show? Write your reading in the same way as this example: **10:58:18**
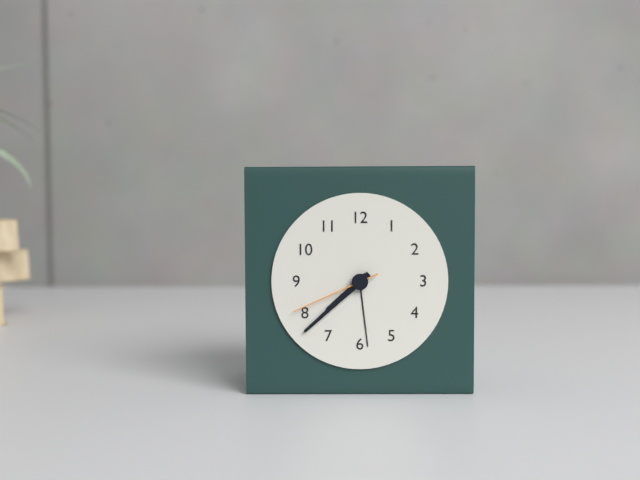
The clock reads **7:38:41**
